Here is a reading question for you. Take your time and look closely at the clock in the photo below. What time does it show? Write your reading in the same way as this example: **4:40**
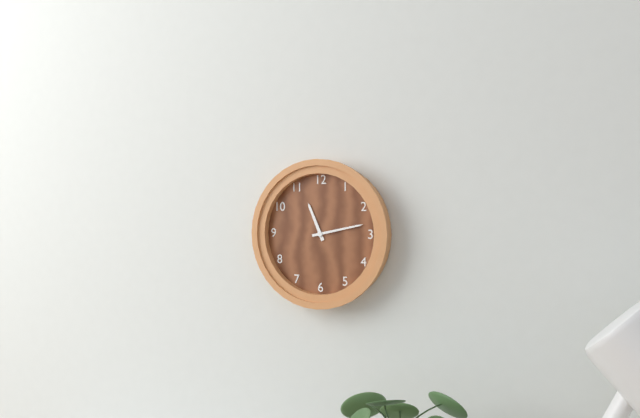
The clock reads **11:13**
